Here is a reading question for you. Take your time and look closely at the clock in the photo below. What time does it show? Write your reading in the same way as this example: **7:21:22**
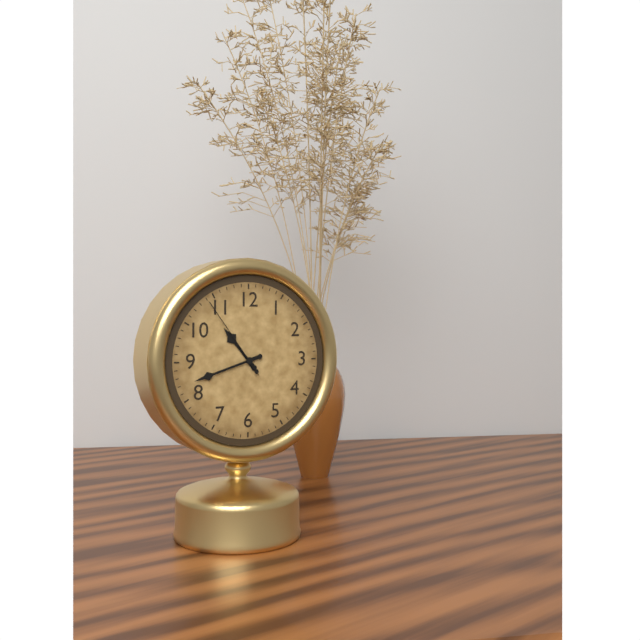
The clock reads **10:42:54**
